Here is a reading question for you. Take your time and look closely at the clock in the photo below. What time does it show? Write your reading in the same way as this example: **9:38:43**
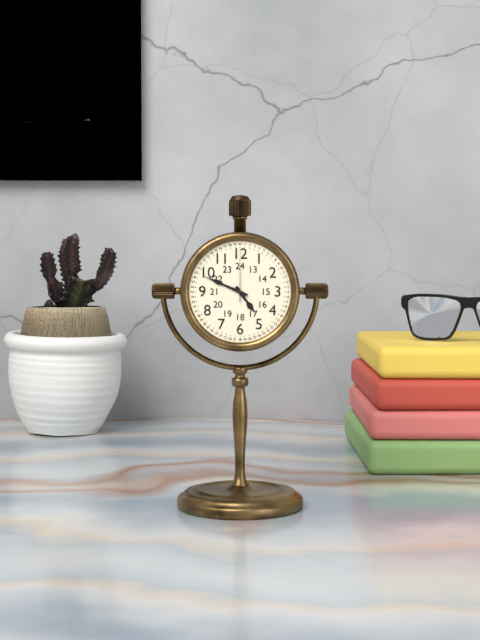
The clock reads **4:49:00**
